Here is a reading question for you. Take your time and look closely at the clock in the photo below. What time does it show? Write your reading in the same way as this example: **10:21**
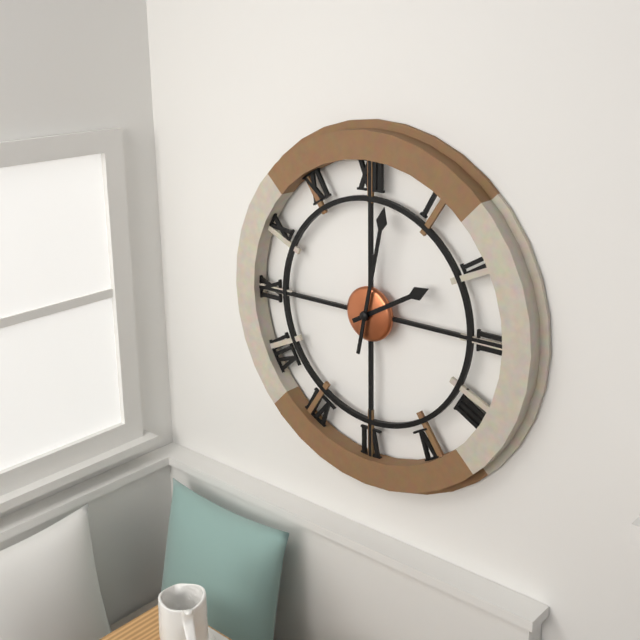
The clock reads **2:02**
